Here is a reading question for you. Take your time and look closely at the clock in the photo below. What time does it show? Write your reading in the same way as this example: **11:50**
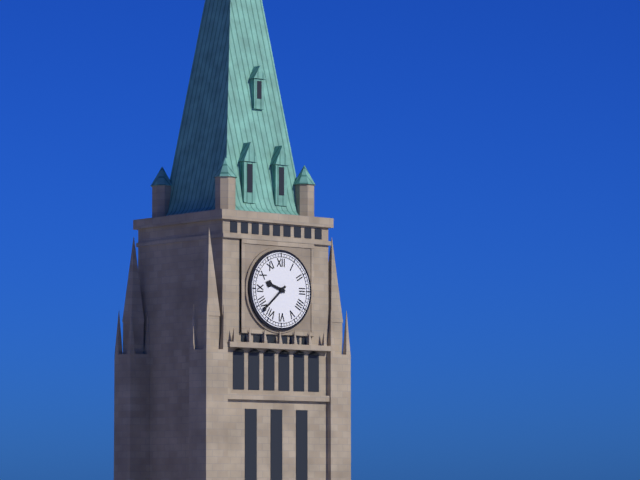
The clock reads **9:38**
